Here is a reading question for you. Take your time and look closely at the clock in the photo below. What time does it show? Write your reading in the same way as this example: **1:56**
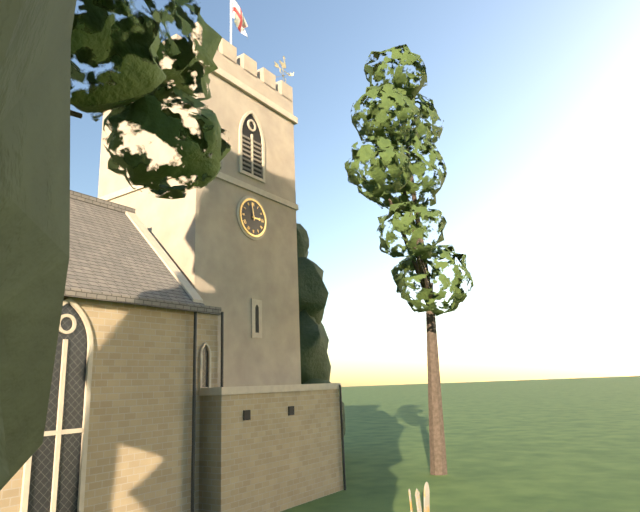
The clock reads **2:58**
